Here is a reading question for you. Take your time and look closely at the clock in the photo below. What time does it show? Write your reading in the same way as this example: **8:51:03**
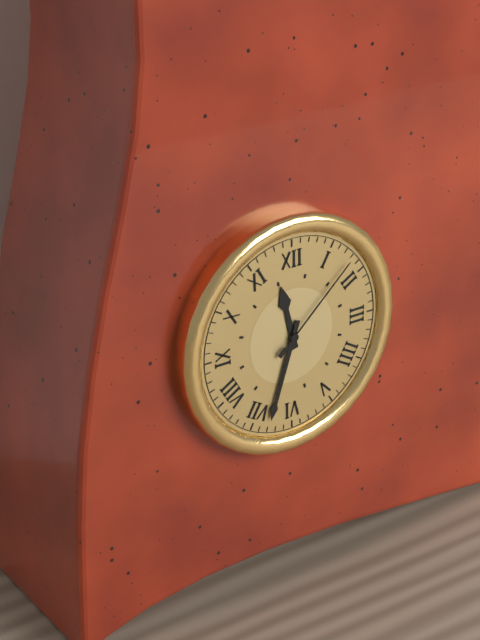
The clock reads **11:33:08**
